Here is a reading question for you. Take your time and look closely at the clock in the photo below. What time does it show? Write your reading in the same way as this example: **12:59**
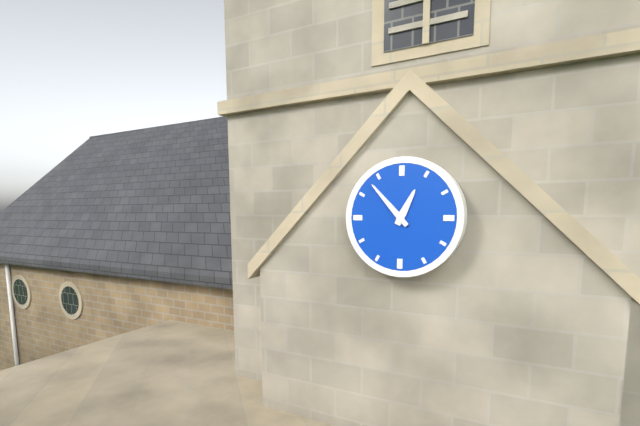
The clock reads **12:53**
